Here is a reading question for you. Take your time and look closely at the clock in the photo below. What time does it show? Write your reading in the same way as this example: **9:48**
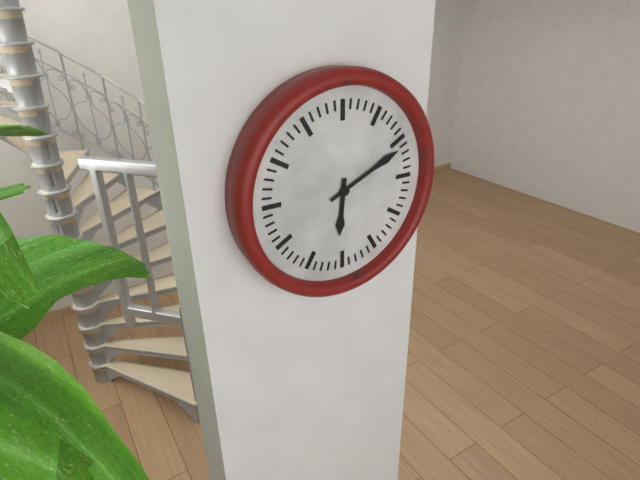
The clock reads **6:11**
